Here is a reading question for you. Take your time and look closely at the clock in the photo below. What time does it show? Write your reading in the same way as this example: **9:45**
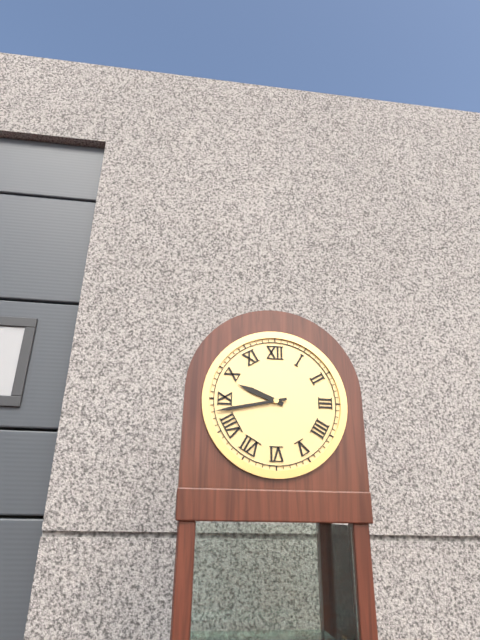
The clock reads **9:43**
